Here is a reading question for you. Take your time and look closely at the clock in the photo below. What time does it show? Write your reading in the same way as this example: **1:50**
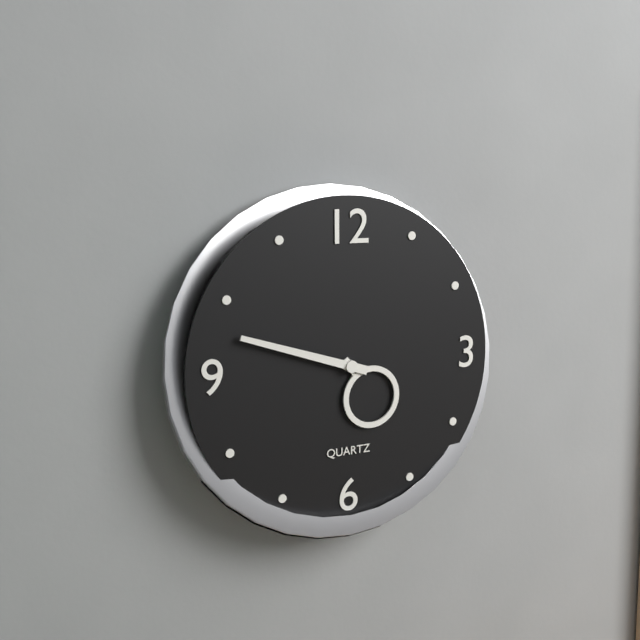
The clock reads **4:48**
